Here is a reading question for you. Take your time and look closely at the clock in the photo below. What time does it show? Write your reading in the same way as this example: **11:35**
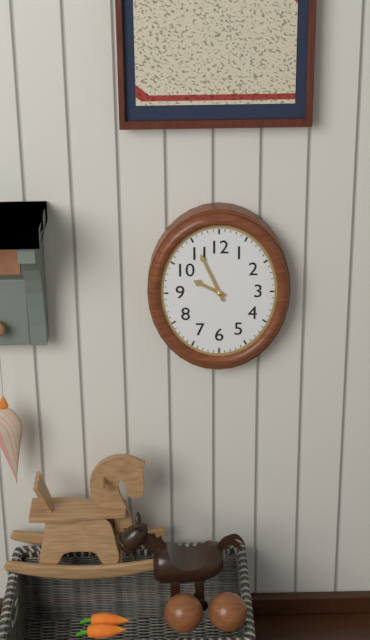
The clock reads **9:56**
